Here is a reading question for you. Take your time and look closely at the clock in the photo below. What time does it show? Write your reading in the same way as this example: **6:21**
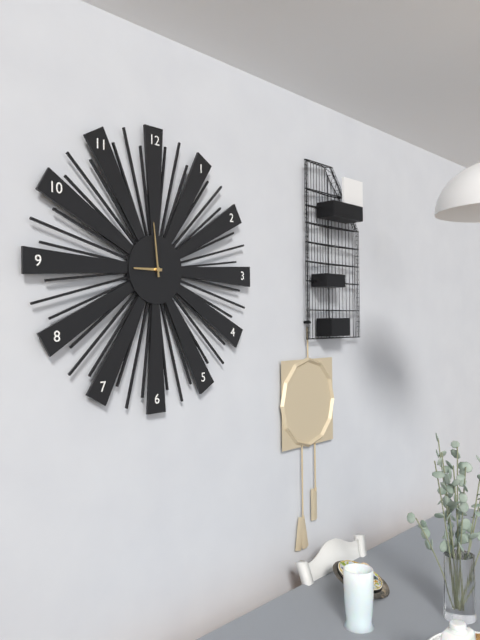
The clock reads **8:59**
